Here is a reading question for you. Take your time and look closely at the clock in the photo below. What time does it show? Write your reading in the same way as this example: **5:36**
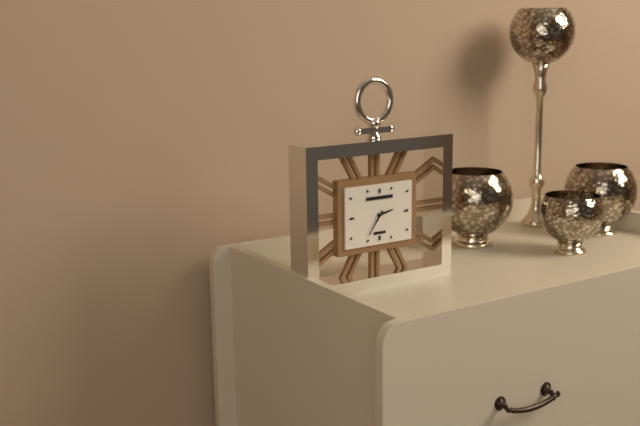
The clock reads **2:36**
